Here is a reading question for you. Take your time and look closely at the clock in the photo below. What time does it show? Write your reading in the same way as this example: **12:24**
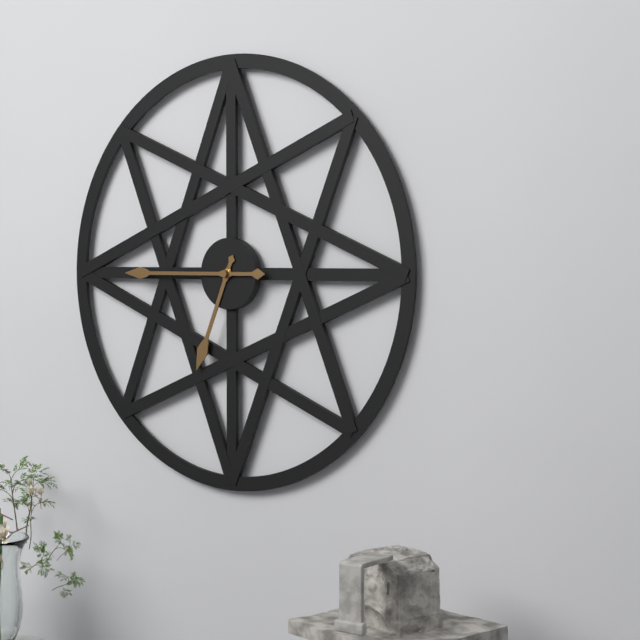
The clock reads **6:45**
